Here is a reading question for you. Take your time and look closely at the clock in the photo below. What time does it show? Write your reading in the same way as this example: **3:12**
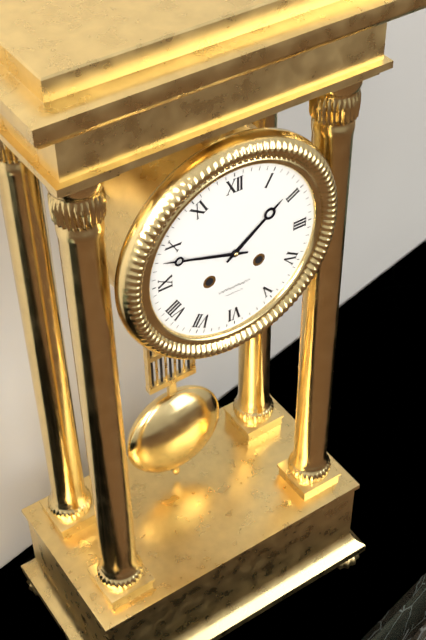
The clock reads **1:48**
